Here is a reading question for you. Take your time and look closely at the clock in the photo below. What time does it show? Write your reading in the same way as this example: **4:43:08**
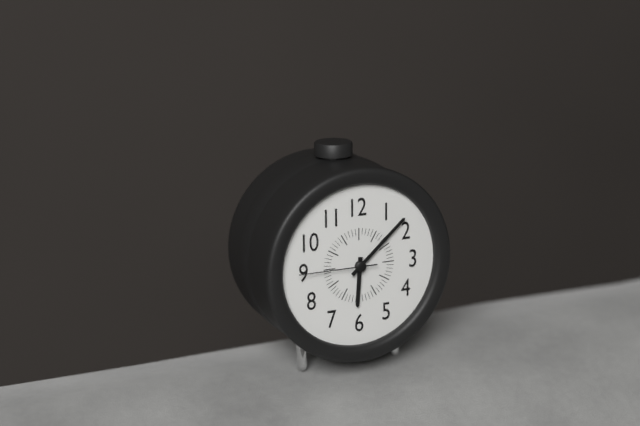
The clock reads **6:08:45**
